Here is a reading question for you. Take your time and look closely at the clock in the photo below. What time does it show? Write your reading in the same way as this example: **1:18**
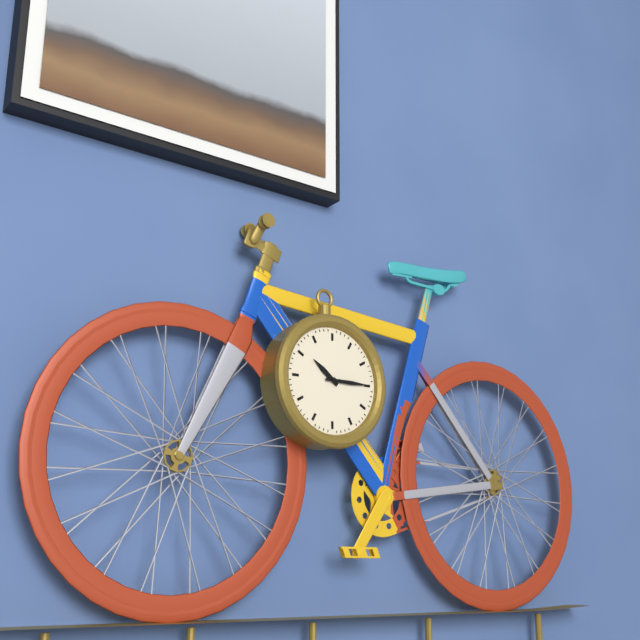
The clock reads **10:15**
